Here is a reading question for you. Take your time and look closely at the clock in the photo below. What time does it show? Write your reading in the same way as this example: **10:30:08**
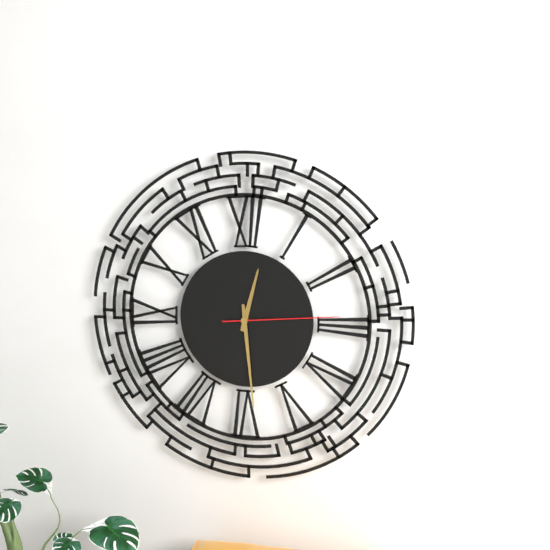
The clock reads **12:29:14**
